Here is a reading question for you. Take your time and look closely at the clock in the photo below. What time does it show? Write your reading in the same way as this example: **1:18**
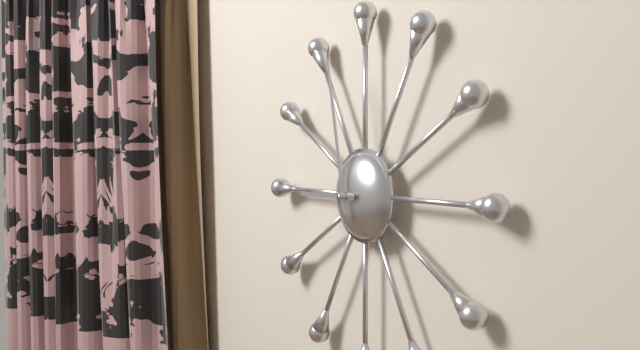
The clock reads **8:58**
